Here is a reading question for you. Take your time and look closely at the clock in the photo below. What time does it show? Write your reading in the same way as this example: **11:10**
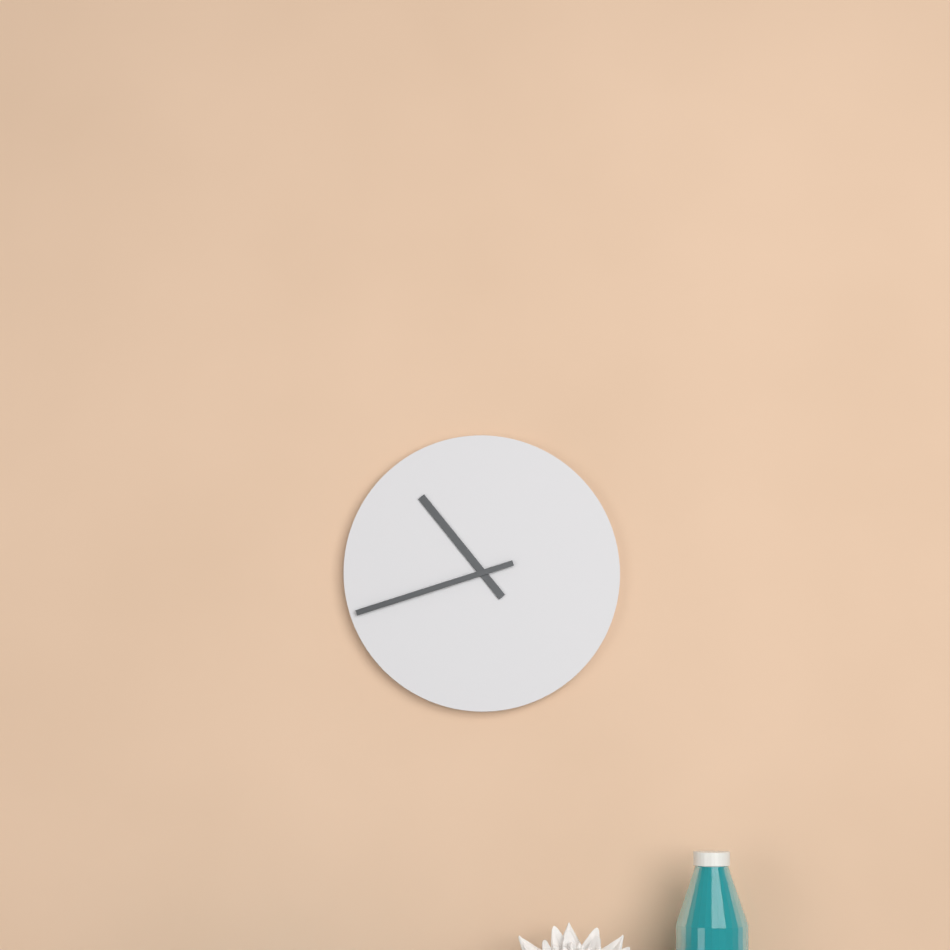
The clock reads **10:42**
